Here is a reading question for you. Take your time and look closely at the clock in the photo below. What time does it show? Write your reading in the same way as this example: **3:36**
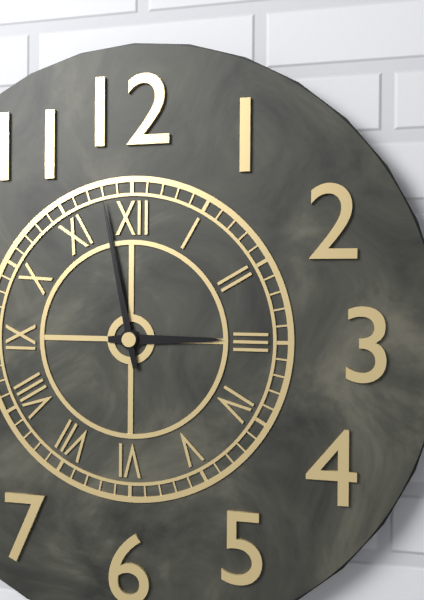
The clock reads **2:58**
